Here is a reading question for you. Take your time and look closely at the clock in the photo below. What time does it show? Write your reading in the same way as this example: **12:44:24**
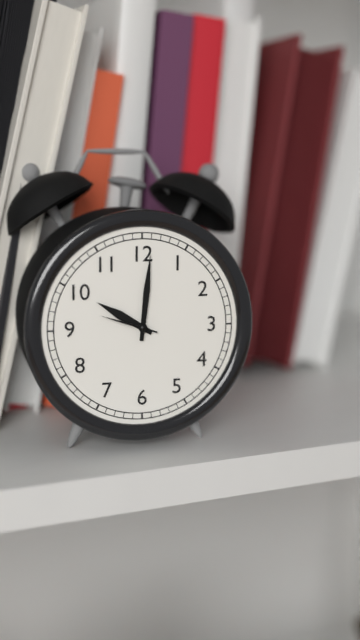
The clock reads **10:01:48**
